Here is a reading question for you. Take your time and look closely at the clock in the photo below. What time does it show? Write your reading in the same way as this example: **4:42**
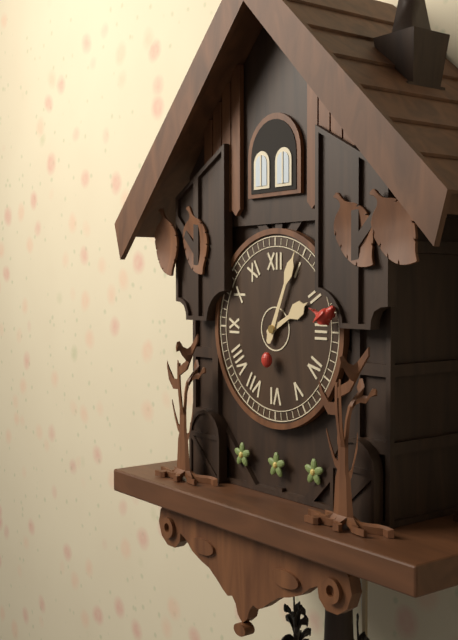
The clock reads **2:04**
